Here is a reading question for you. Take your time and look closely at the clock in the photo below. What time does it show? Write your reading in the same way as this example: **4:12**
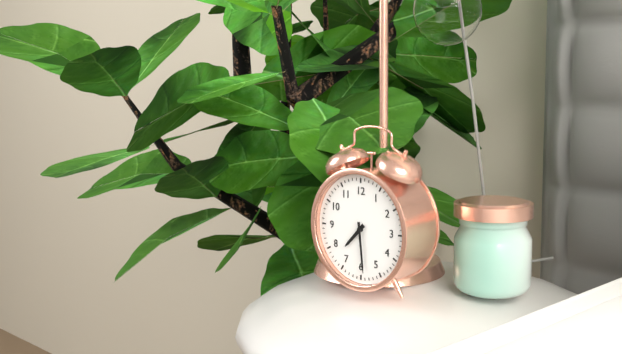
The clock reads **7:29**
